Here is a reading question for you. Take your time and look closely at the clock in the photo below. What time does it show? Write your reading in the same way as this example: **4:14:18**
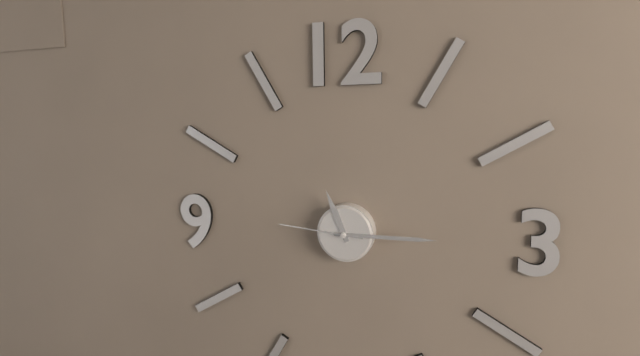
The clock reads **11:15:46**
